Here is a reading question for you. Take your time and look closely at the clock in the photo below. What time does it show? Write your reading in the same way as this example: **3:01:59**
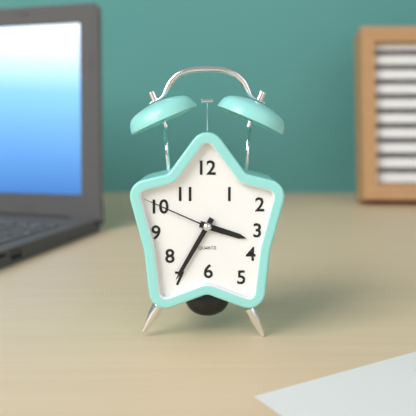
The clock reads **3:35:49**
